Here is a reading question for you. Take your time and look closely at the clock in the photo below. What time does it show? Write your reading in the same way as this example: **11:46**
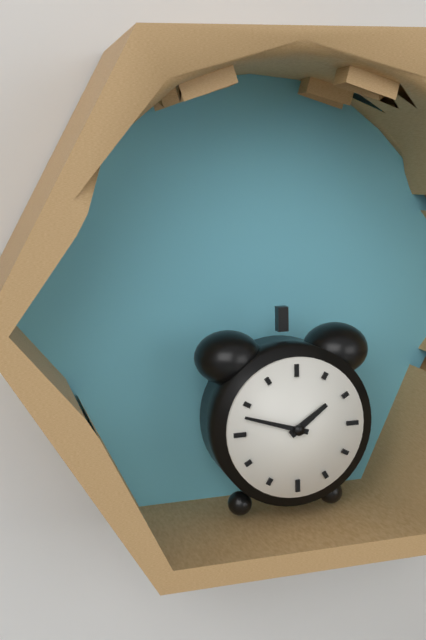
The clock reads **1:48**
